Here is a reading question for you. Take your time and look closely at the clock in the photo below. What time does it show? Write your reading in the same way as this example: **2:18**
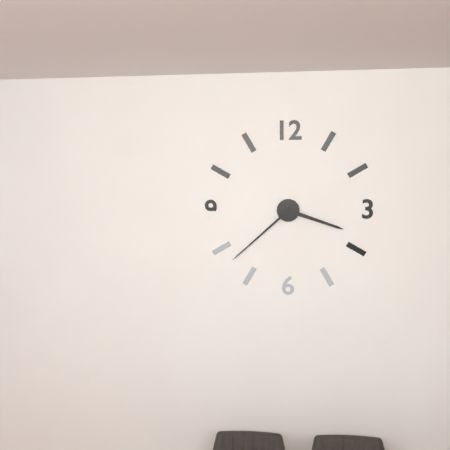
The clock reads **3:38**
